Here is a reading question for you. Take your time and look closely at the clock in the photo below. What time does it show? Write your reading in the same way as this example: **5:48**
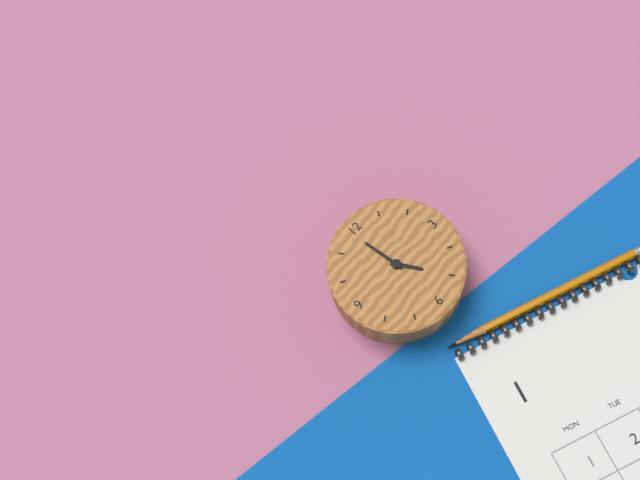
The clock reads **4:59**
